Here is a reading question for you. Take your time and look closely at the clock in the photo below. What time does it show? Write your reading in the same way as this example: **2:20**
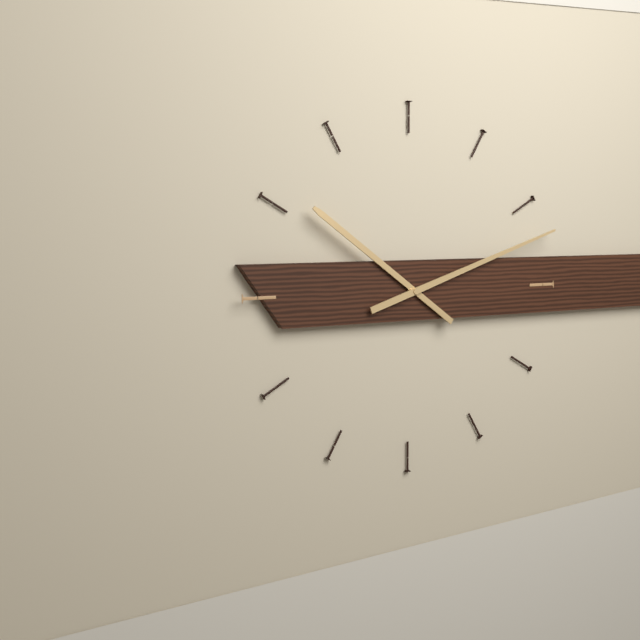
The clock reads **10:12**
